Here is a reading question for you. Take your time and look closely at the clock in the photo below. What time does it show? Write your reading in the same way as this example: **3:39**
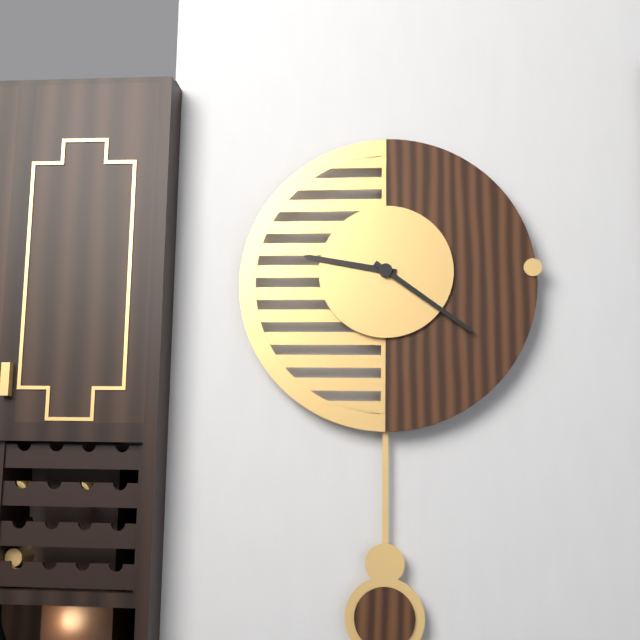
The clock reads **9:21**
